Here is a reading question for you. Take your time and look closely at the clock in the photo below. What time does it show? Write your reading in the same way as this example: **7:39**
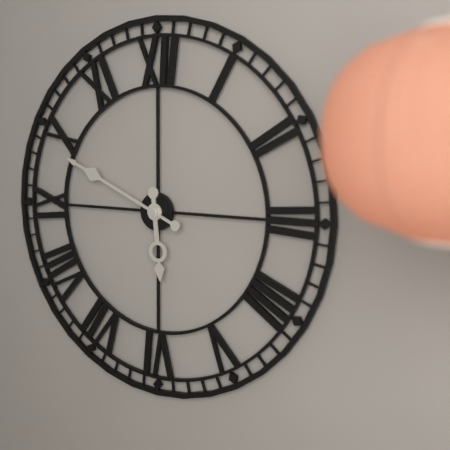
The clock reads **5:49**
